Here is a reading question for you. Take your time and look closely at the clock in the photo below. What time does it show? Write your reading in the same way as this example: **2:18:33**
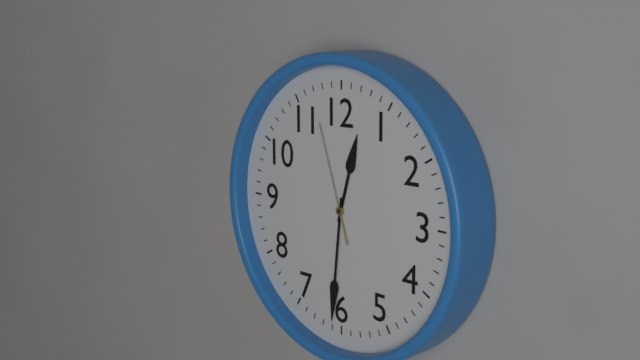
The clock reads **12:31:57**
